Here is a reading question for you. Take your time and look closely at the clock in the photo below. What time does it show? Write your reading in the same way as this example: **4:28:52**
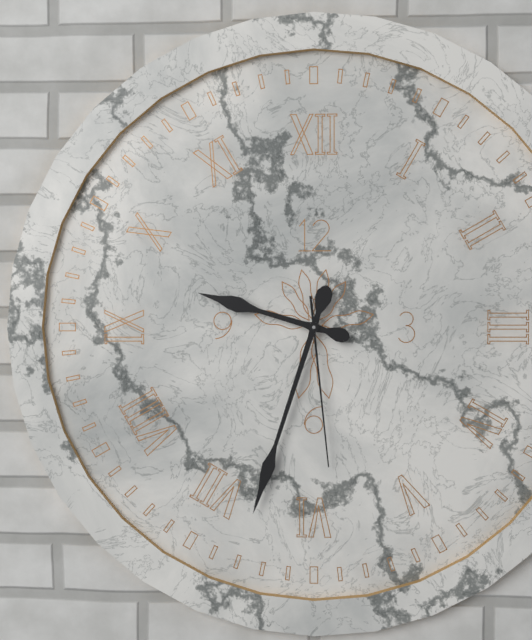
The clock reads **9:33:29**
